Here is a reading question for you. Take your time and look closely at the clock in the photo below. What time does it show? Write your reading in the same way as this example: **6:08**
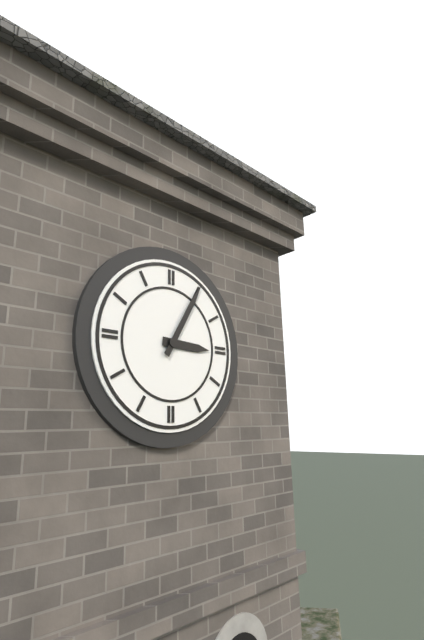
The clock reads **3:05**
